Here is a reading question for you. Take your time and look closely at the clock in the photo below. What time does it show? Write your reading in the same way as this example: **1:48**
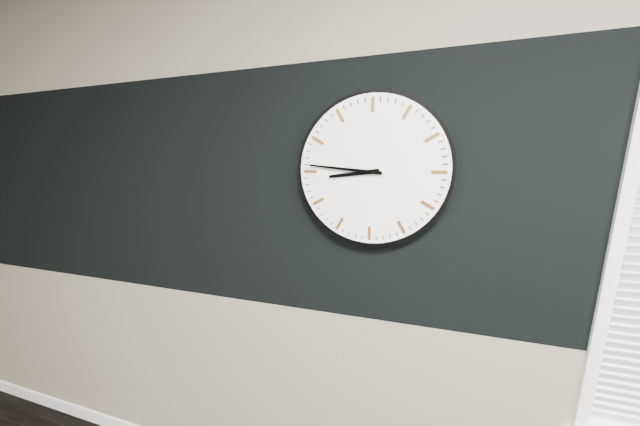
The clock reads **8:46**
